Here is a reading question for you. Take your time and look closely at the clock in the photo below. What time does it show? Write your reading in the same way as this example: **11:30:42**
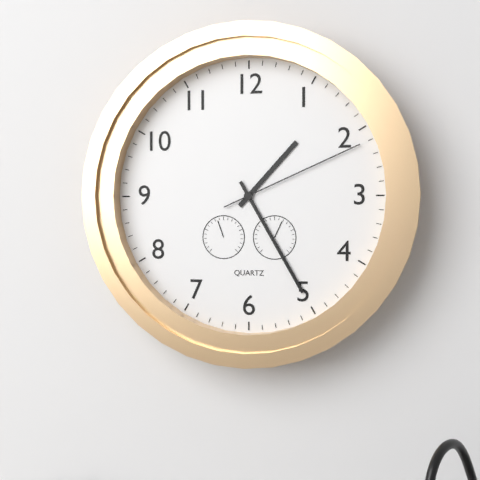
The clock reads **1:25:11**
